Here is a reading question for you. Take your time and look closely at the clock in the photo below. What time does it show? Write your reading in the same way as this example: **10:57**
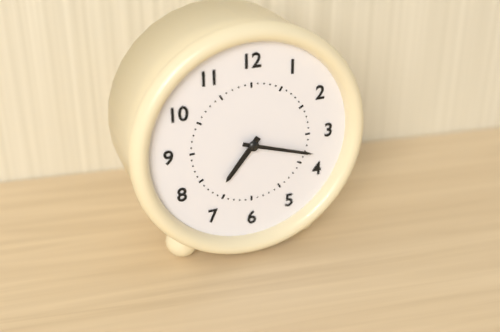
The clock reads **7:18**
